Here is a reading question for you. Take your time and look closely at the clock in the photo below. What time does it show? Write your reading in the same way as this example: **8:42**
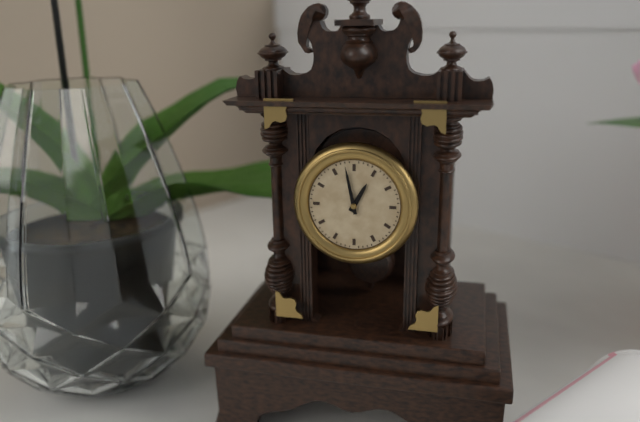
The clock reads **12:58**
